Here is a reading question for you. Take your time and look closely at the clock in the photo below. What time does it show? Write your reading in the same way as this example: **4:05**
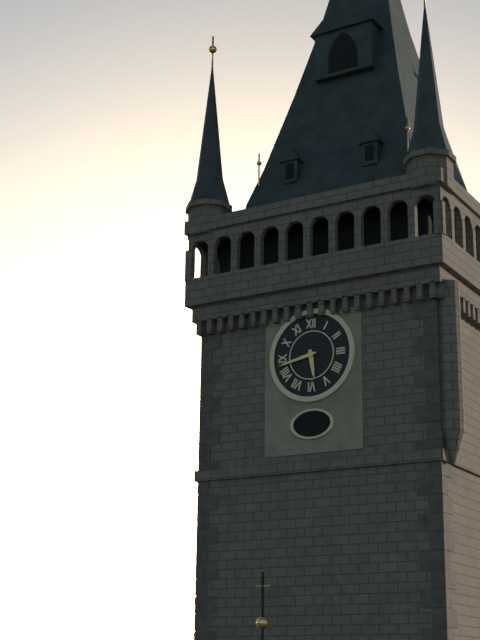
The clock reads **5:43**
